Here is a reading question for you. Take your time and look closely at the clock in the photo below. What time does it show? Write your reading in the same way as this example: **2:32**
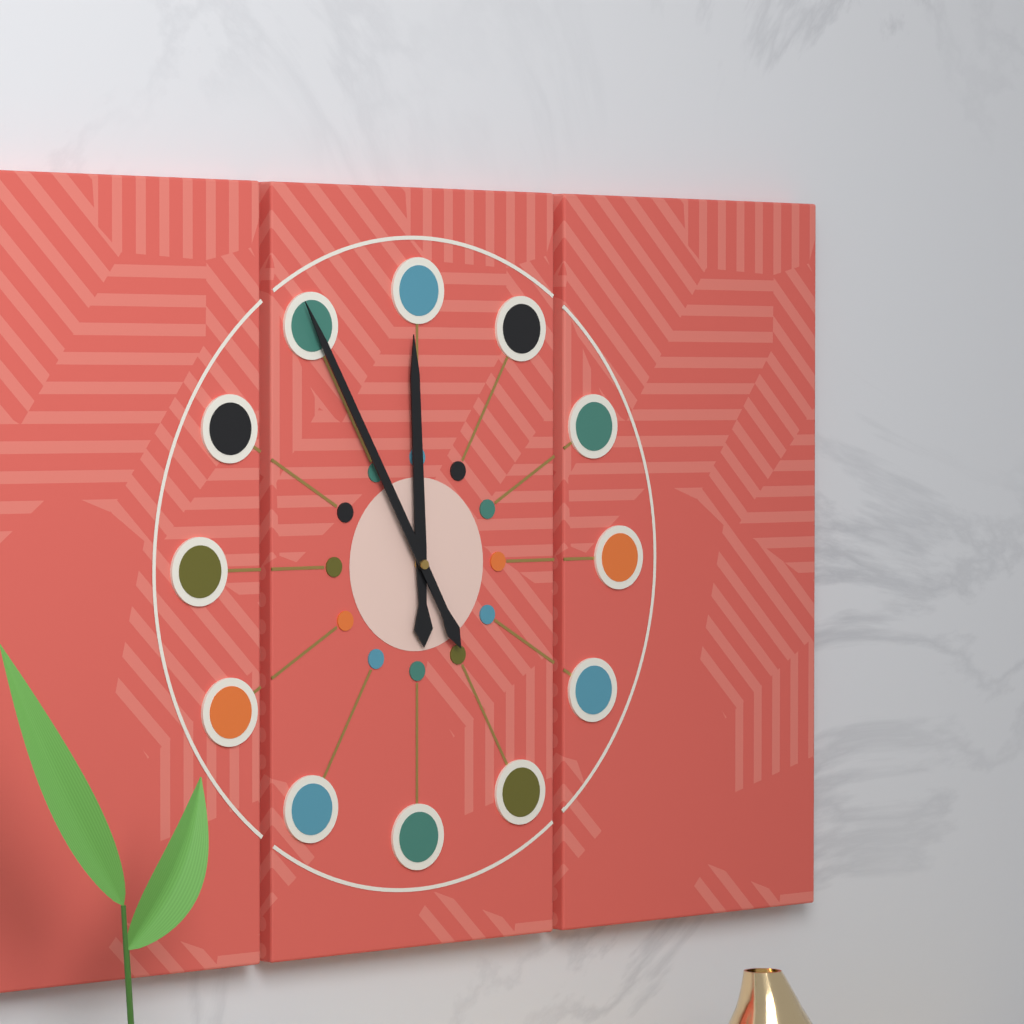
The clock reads **11:55**
